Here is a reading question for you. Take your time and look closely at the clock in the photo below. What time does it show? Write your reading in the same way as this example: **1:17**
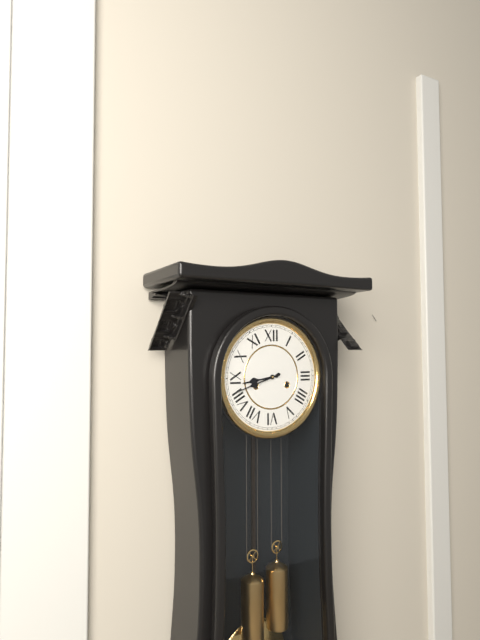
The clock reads **8:42**
